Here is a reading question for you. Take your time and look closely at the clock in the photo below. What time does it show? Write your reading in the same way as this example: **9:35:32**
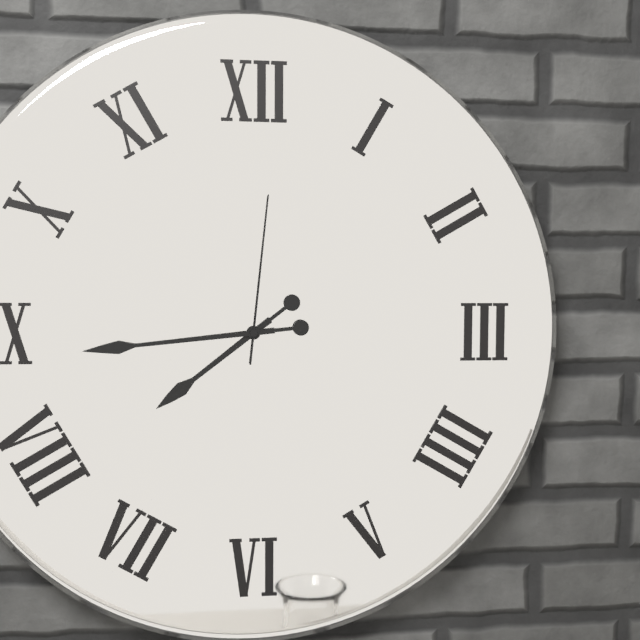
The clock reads **7:44:01**
